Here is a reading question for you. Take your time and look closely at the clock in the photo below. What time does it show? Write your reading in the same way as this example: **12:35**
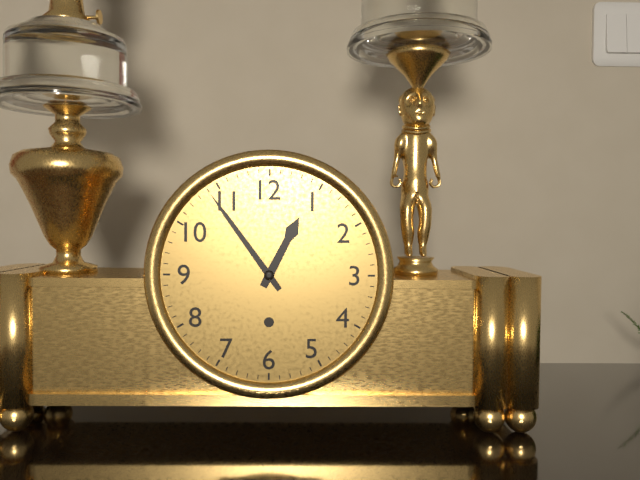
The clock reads **12:54**
